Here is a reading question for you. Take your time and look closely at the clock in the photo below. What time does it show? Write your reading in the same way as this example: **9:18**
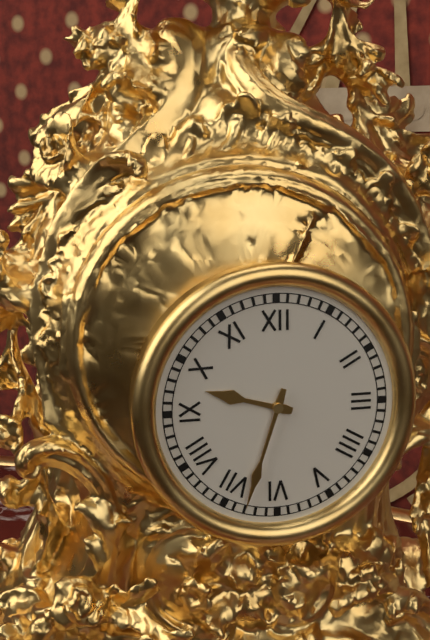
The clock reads **9:33**
